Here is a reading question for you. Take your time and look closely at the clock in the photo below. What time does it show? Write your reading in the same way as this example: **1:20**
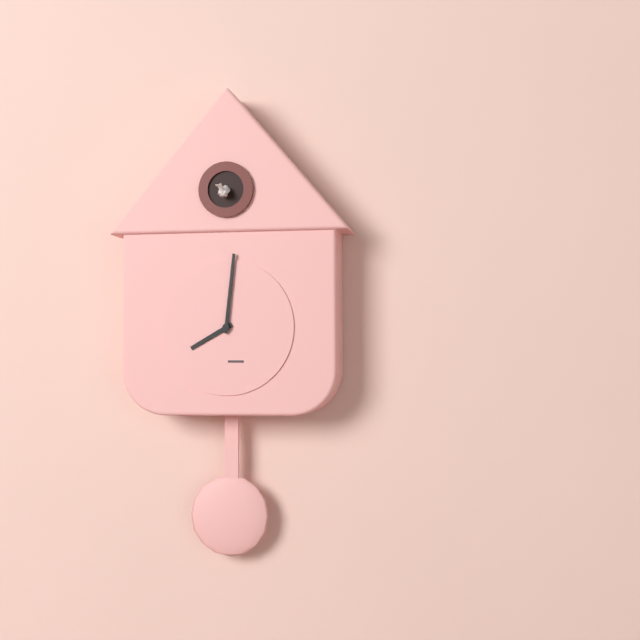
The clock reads **8:01**
